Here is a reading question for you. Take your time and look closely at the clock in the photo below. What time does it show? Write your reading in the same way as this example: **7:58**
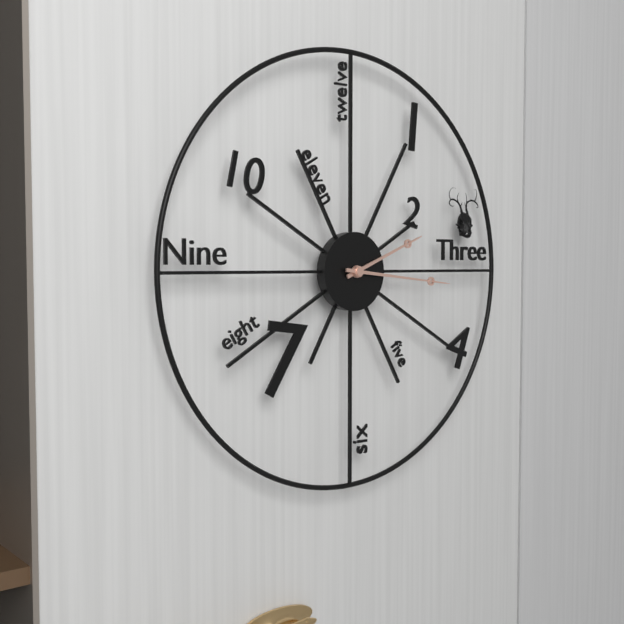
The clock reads **2:16**
